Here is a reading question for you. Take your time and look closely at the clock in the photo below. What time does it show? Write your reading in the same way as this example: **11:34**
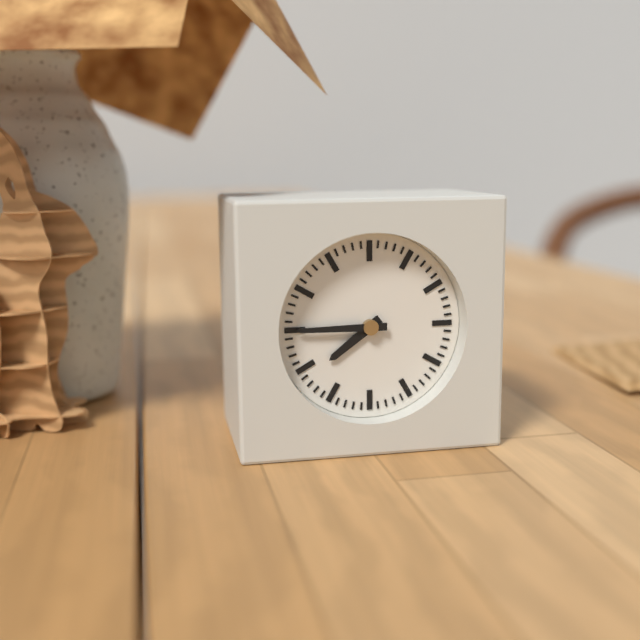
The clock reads **7:45**
